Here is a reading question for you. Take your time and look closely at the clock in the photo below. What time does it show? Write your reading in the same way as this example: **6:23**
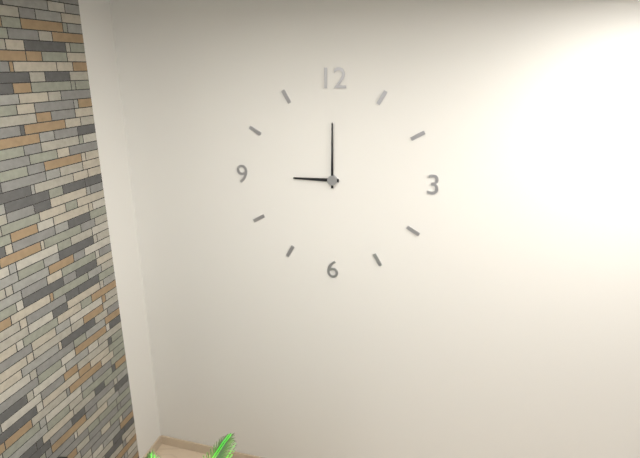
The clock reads **9:00**
